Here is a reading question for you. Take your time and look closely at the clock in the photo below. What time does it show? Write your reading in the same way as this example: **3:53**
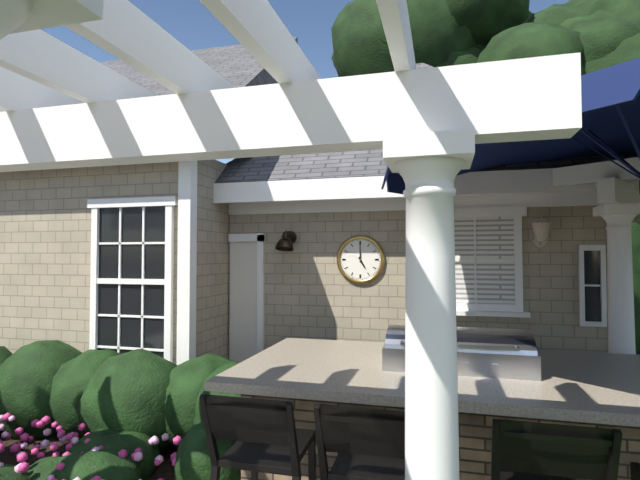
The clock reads **5:00**
